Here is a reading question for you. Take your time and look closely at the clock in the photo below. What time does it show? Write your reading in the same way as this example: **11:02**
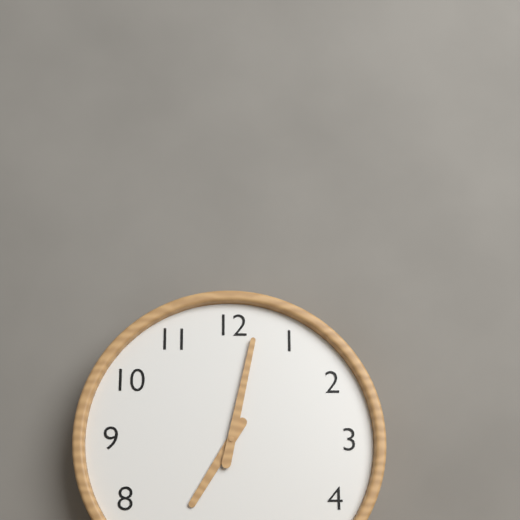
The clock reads **7:02**
